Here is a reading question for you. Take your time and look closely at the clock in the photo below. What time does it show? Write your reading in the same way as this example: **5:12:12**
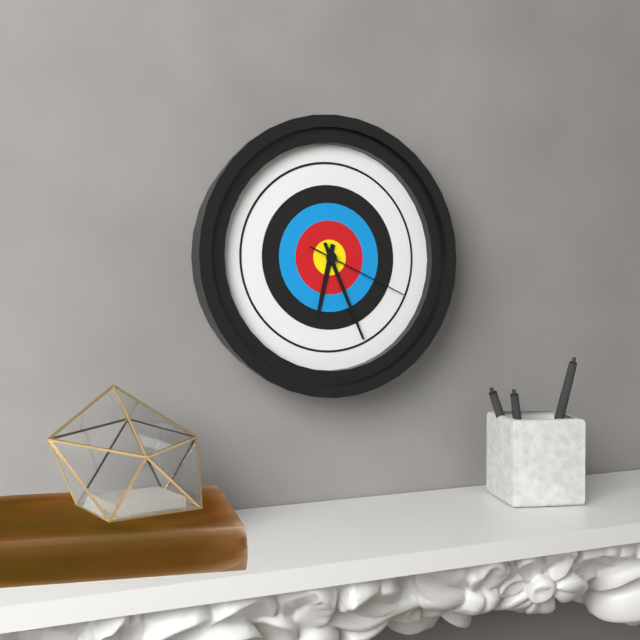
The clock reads **6:26:19**
